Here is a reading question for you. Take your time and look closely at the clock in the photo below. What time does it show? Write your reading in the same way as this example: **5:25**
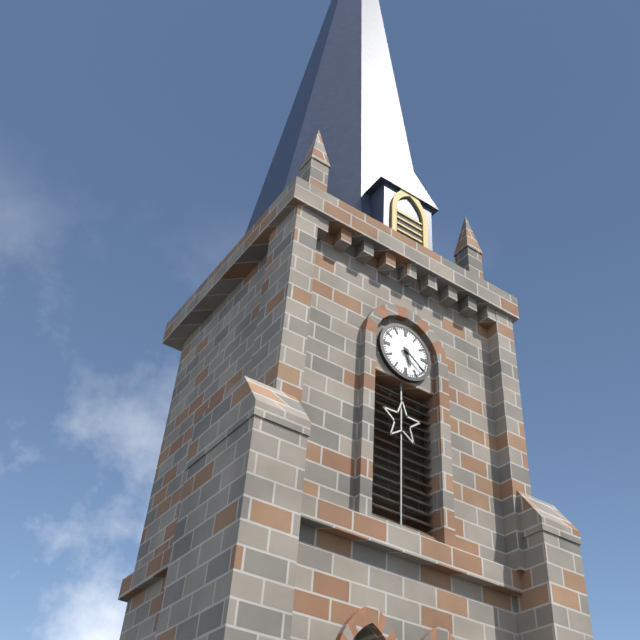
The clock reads **5:21**
